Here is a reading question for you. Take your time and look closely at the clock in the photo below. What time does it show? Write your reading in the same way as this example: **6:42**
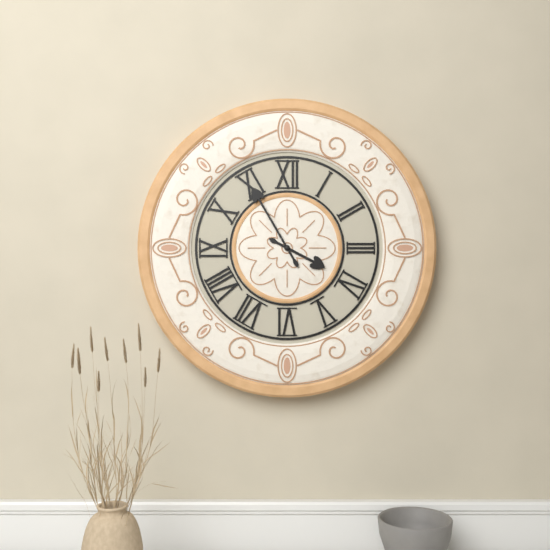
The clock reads **3:55**
